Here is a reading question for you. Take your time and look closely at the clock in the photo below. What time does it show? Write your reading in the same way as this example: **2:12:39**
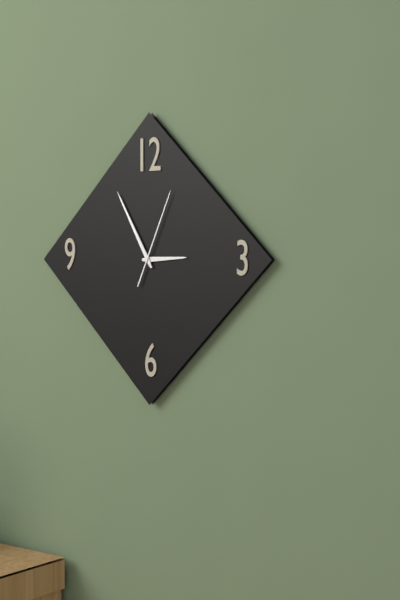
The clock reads **2:55:04**
